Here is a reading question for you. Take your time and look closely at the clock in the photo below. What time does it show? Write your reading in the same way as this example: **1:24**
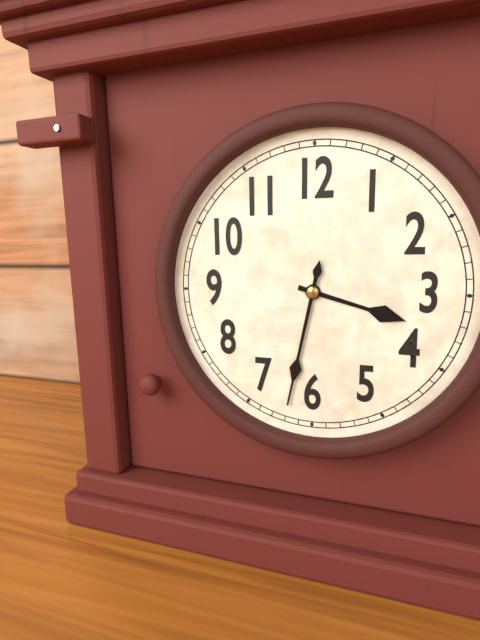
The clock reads **3:32**
